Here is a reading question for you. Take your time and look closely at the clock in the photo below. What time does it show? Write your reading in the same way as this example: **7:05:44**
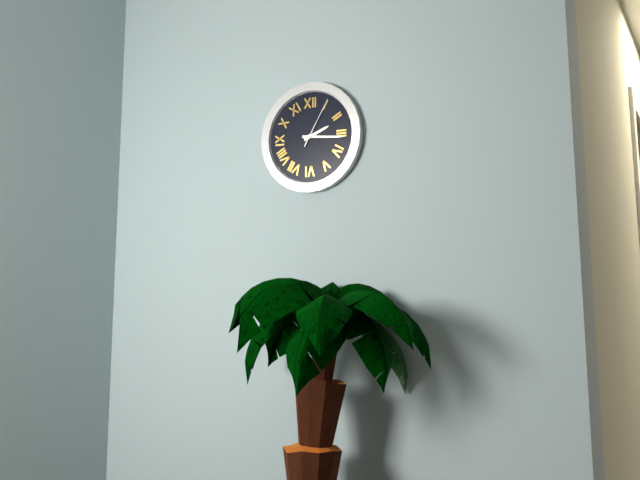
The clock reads **2:16:05**
